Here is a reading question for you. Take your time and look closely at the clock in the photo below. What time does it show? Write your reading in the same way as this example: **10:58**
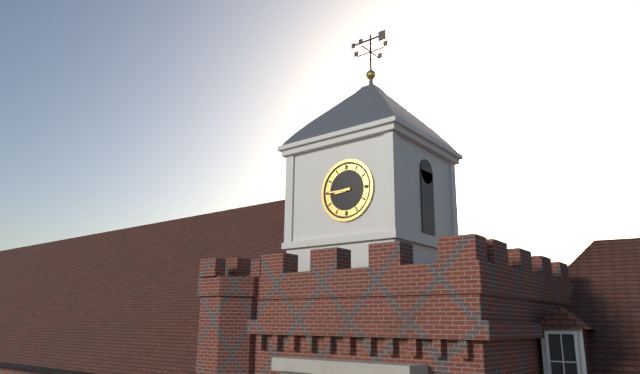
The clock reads **8:45**
